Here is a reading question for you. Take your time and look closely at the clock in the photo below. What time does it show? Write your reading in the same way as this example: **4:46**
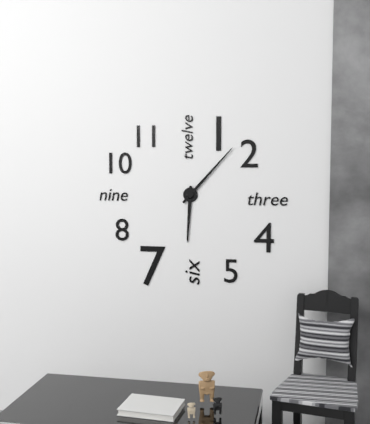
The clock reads **6:07**
